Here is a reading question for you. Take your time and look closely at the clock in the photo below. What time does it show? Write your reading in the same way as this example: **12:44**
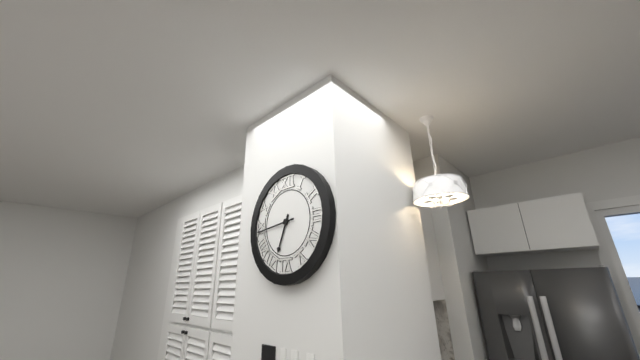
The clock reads **6:44**
